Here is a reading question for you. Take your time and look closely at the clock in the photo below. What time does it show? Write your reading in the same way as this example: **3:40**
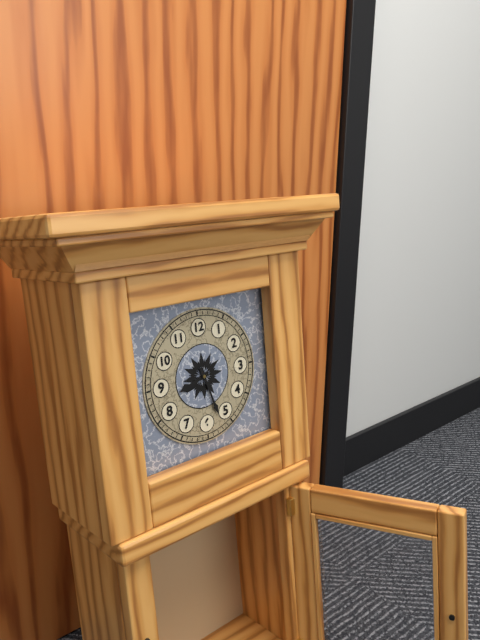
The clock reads **8:27**
